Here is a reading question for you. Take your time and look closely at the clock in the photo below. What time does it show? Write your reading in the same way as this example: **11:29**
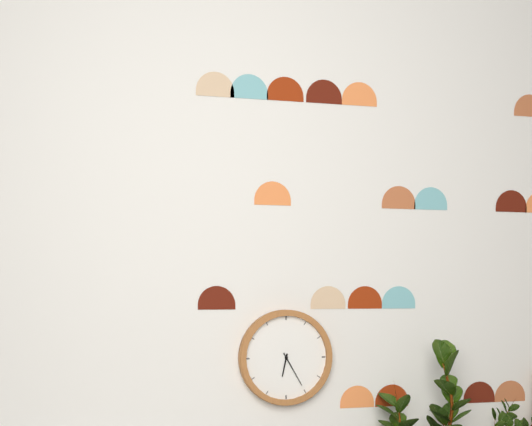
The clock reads **6:25**
